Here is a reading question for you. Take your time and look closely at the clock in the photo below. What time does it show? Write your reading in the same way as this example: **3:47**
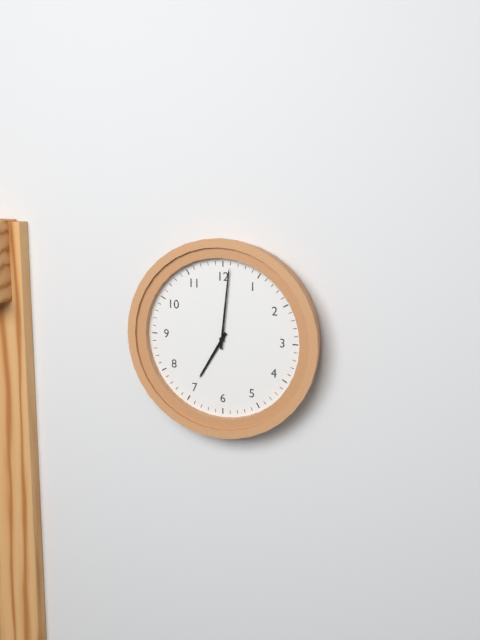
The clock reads **7:01**
